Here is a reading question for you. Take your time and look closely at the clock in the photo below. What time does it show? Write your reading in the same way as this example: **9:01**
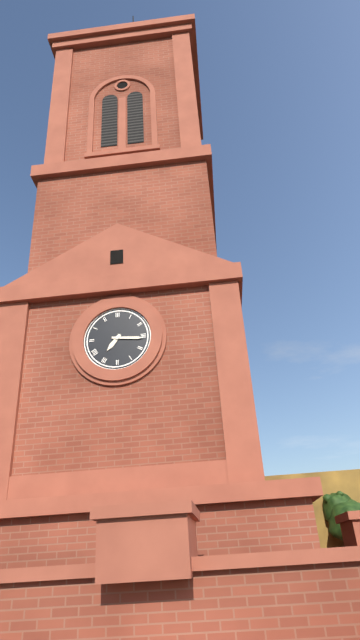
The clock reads **7:16**
